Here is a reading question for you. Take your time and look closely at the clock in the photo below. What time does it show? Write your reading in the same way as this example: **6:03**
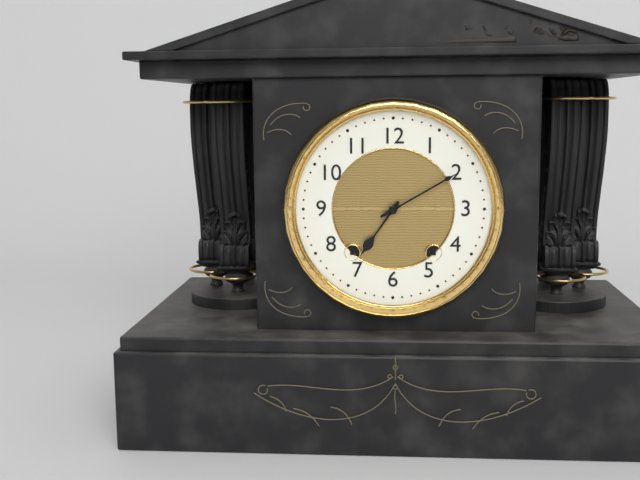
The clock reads **7:10**
